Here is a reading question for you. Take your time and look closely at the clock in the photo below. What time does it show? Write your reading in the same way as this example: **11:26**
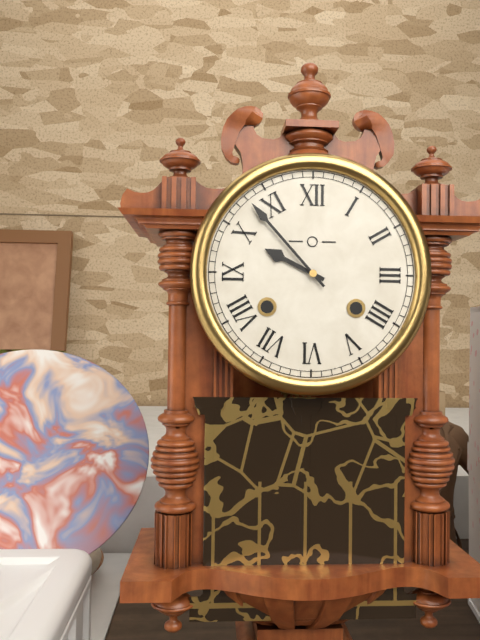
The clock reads **9:53**
